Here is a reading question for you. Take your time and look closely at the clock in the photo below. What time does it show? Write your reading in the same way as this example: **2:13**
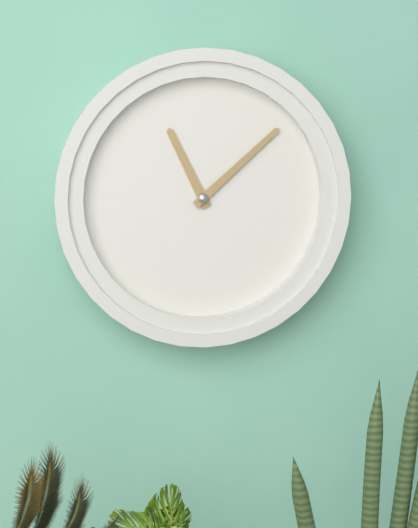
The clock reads **11:08**
